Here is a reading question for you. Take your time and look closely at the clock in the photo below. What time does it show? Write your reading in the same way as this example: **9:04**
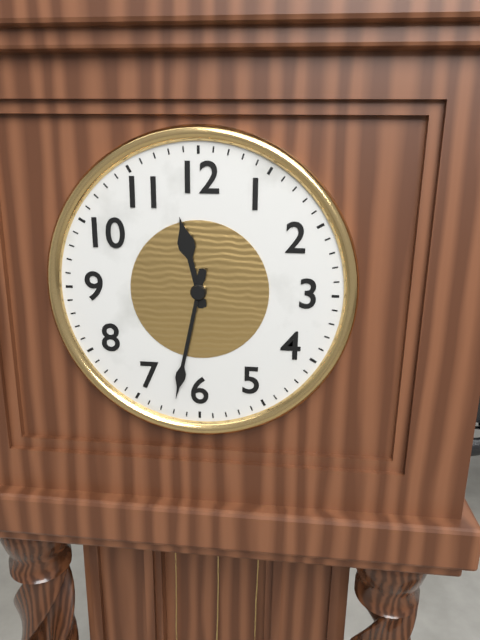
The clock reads **11:32**
